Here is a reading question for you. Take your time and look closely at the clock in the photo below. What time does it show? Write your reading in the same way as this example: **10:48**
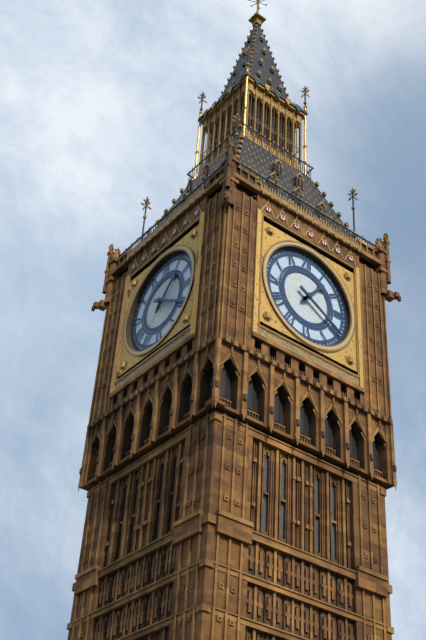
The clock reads **1:20**
